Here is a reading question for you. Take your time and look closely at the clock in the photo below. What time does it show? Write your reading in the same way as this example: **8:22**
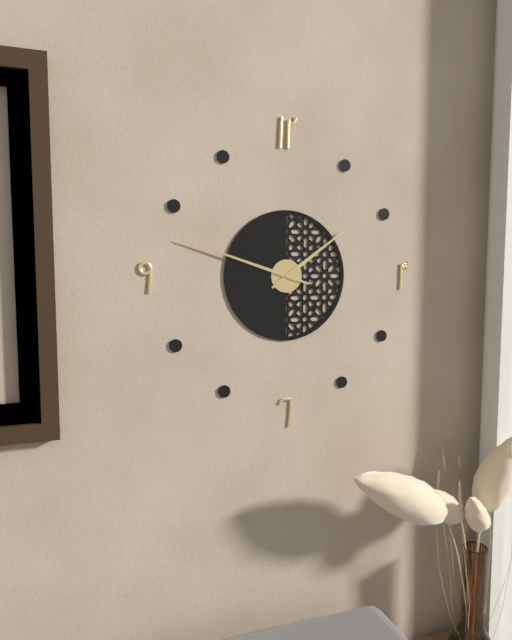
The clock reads **1:48**
